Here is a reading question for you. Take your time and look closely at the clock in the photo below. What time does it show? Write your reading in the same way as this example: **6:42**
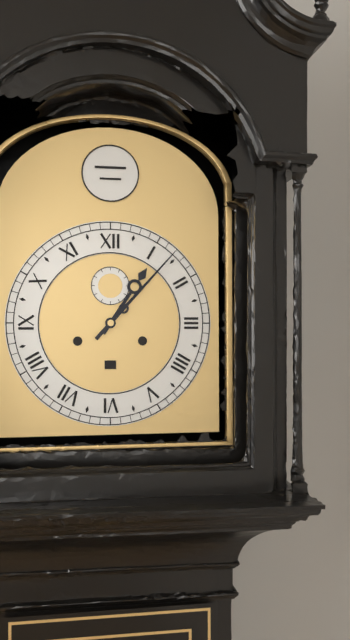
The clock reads **1:07**
